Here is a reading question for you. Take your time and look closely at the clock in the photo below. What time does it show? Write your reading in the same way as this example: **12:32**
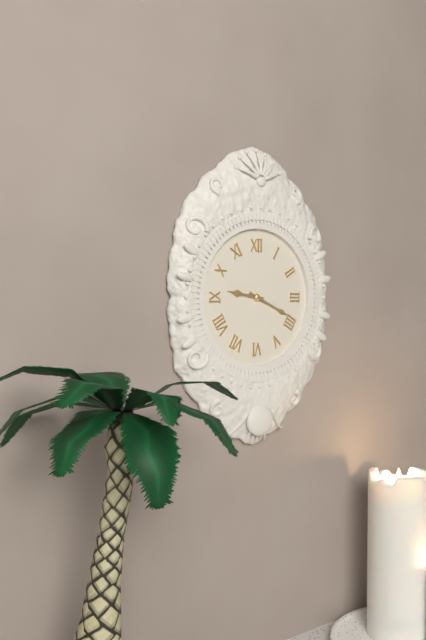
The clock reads **9:19**
